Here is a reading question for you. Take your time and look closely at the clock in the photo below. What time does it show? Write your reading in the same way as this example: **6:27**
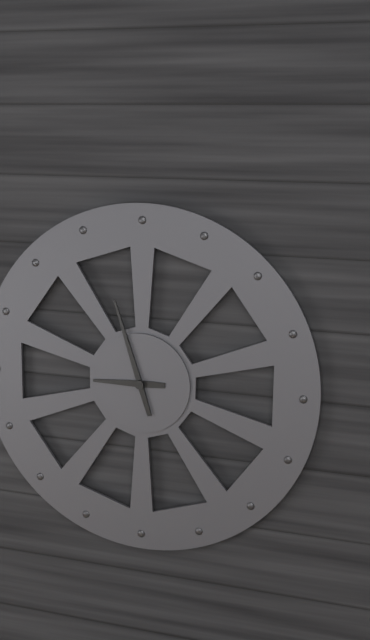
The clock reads **8:57**
